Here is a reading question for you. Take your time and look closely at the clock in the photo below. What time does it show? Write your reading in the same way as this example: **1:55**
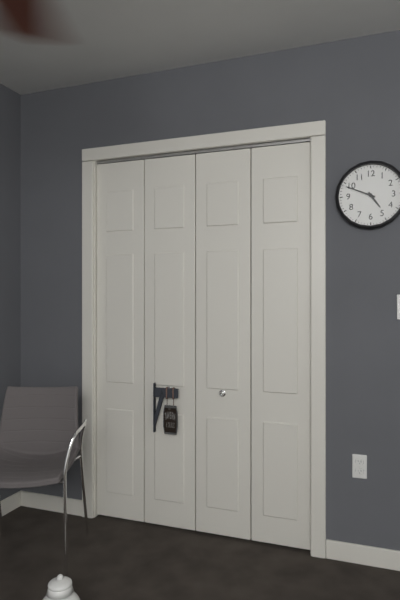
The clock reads **4:49**
